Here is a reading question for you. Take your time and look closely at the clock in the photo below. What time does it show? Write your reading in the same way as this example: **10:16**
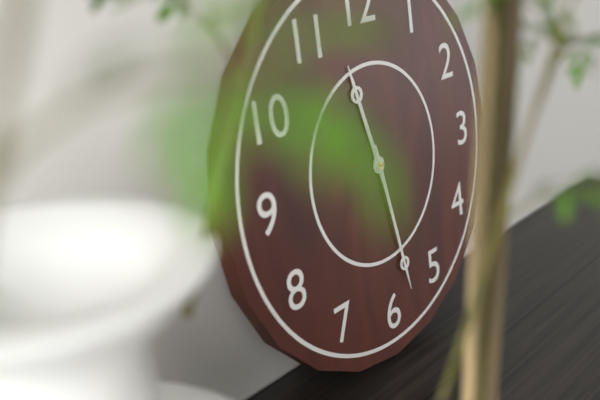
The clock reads **11:28**
